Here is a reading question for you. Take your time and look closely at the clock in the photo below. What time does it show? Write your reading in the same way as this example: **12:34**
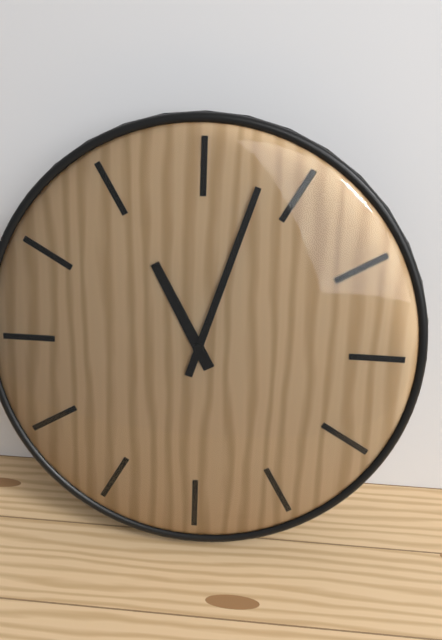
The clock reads **11:03**
